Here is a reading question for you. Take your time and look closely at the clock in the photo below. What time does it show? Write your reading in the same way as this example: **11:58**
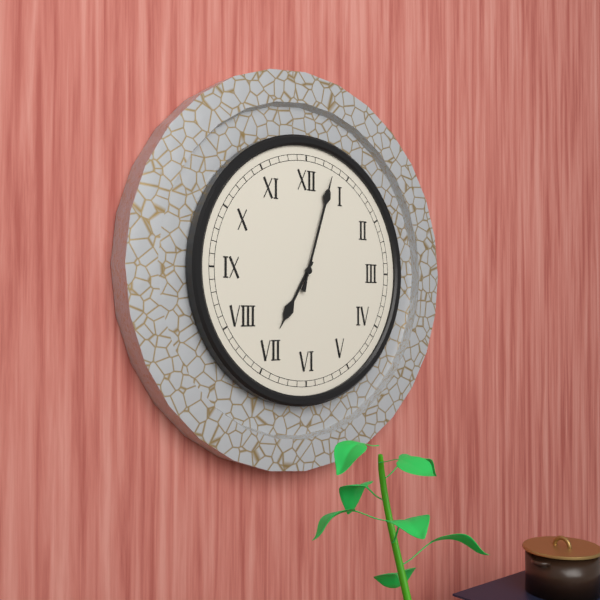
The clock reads **7:03**
